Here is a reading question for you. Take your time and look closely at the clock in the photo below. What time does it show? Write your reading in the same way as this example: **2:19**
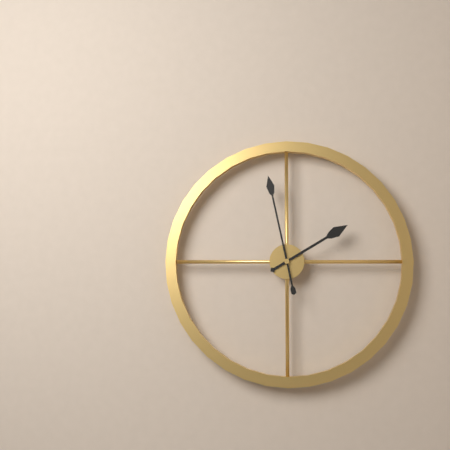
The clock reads **1:58**
